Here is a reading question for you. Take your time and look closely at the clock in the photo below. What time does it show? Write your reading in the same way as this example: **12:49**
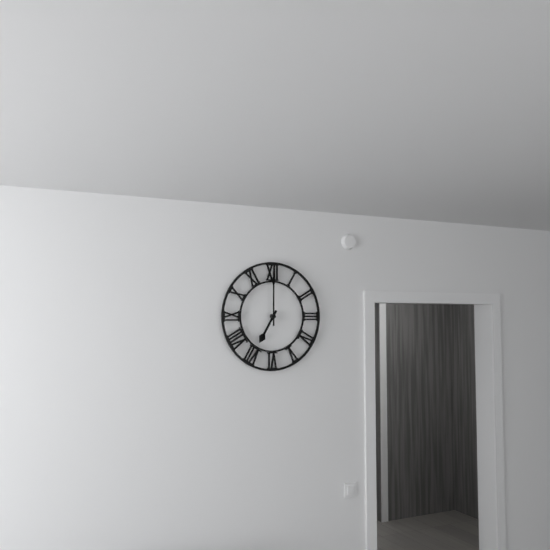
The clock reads **7:00**
